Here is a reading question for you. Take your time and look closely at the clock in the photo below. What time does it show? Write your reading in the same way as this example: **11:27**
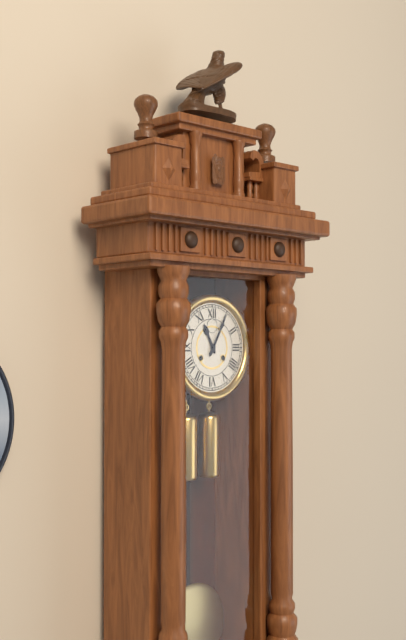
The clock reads **11:05**
